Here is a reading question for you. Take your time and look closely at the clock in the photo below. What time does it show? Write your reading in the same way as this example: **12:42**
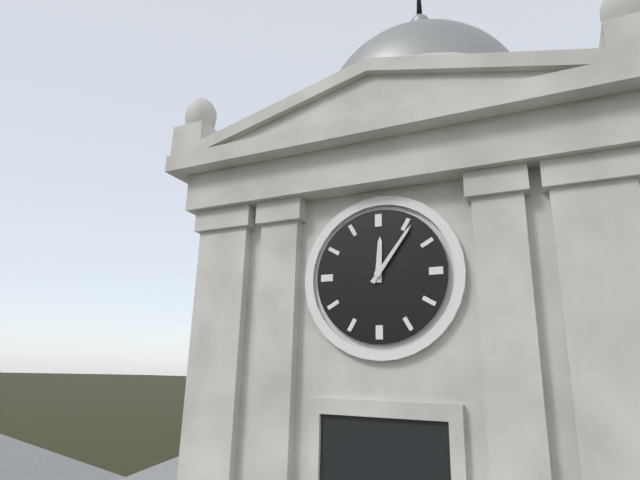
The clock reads **12:06**
